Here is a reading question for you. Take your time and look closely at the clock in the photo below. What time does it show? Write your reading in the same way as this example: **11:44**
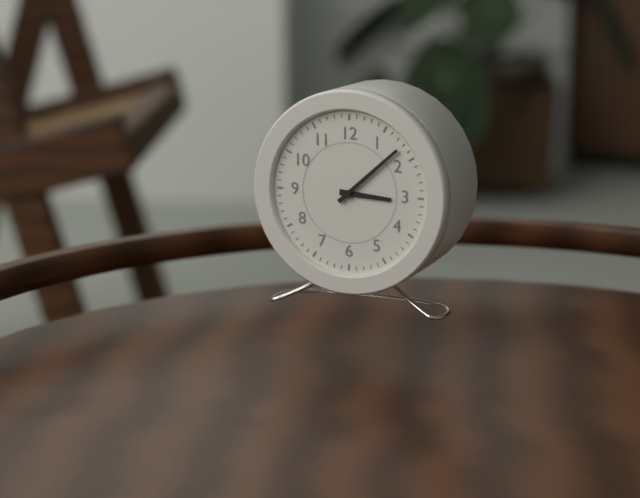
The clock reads **3:08**
